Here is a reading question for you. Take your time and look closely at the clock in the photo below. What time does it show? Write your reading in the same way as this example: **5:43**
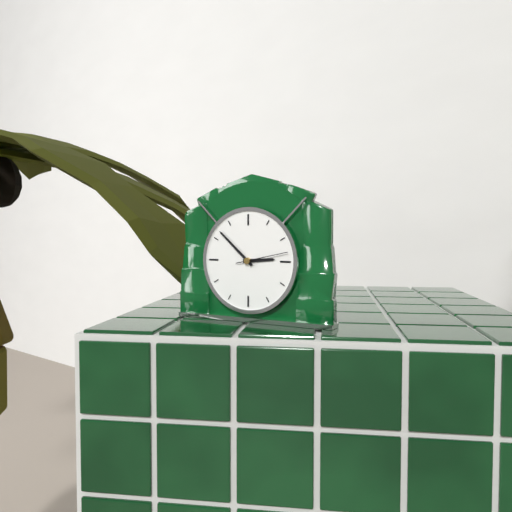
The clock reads **2:52**
